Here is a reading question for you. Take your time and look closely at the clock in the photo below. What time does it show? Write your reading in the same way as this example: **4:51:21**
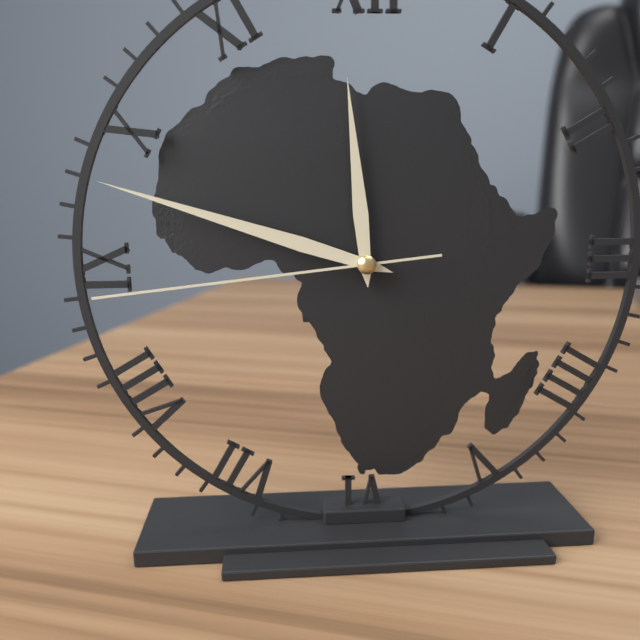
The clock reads **11:48:44**
